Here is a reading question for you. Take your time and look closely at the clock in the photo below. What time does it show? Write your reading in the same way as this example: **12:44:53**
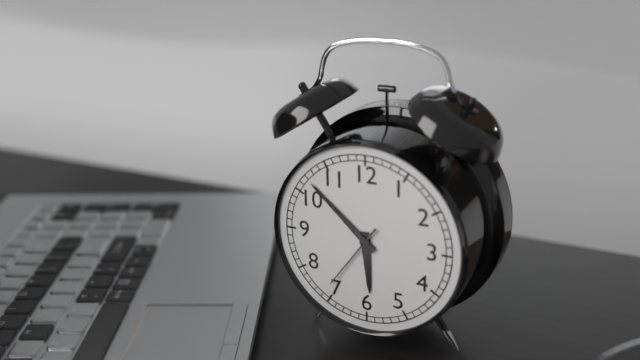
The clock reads **5:52:36**
